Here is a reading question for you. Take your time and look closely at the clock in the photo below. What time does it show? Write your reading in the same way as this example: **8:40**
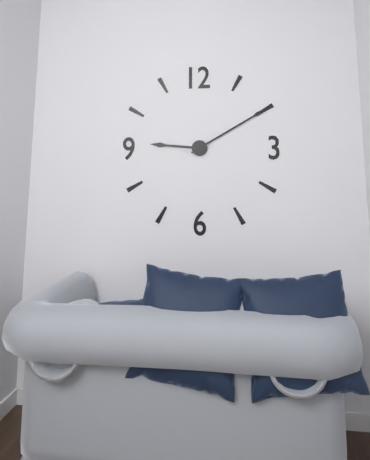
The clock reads **9:10**
